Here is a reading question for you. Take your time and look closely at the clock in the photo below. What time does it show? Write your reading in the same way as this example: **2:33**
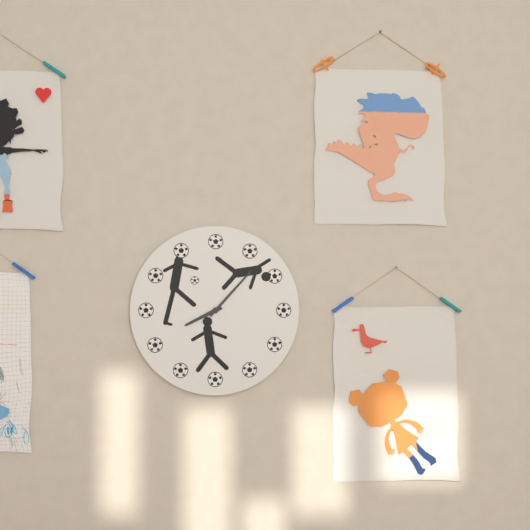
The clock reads **8:07**
